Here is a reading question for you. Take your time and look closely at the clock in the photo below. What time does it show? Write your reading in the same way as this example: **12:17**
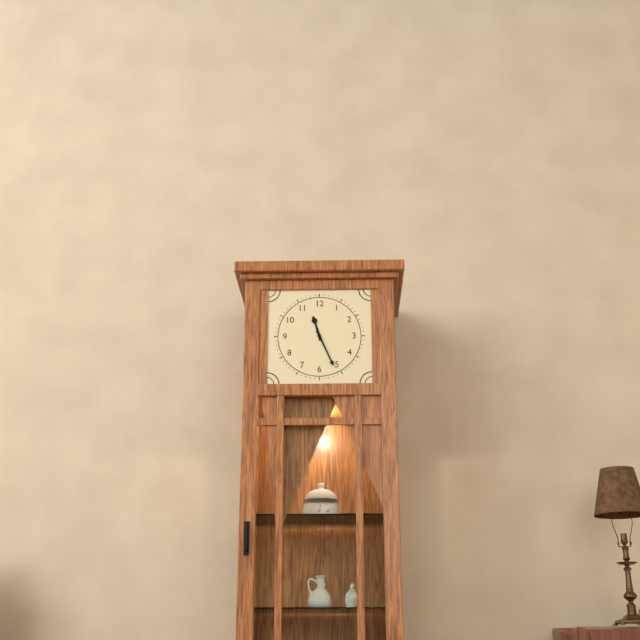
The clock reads **11:26**
